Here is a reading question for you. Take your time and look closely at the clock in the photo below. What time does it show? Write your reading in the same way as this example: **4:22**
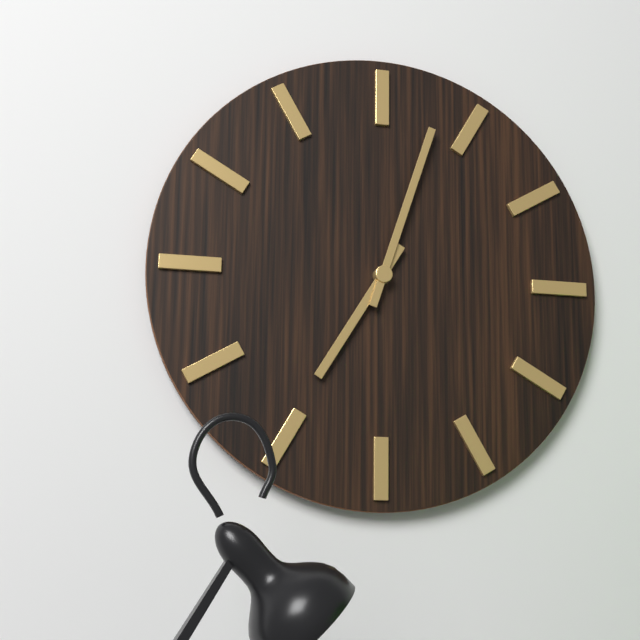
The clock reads **7:03**
